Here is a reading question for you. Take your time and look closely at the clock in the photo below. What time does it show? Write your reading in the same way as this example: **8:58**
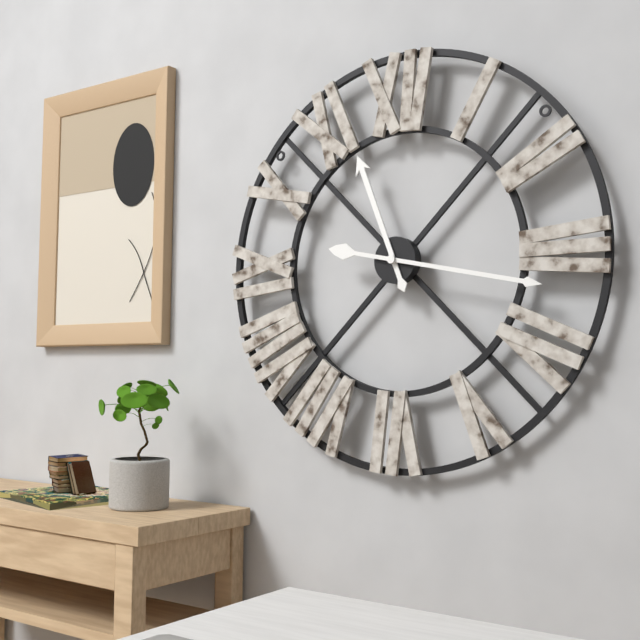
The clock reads **11:17**
